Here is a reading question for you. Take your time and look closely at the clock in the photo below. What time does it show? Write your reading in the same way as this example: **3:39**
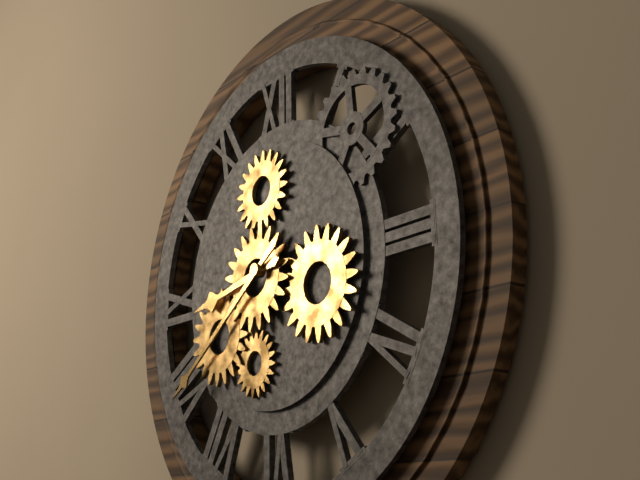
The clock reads **8:39**
